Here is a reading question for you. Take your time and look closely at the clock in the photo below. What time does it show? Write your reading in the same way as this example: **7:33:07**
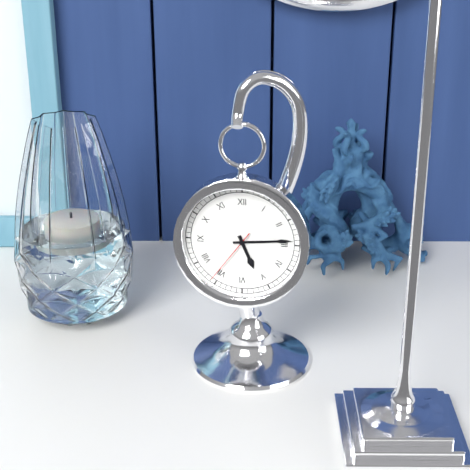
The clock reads **5:14:36**
